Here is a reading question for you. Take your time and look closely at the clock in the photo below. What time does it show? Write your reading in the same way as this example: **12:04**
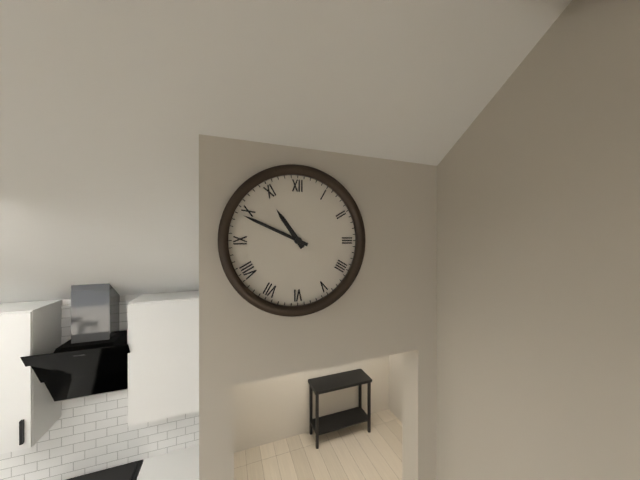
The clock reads **10:49**
